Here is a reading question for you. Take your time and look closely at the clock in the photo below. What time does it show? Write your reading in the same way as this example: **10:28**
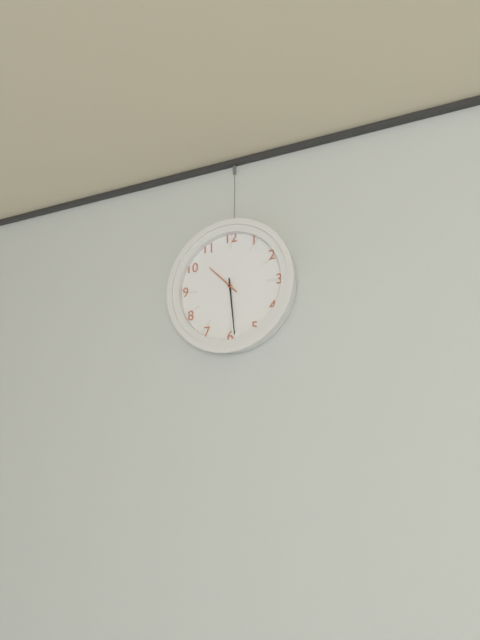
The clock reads **10:29**
